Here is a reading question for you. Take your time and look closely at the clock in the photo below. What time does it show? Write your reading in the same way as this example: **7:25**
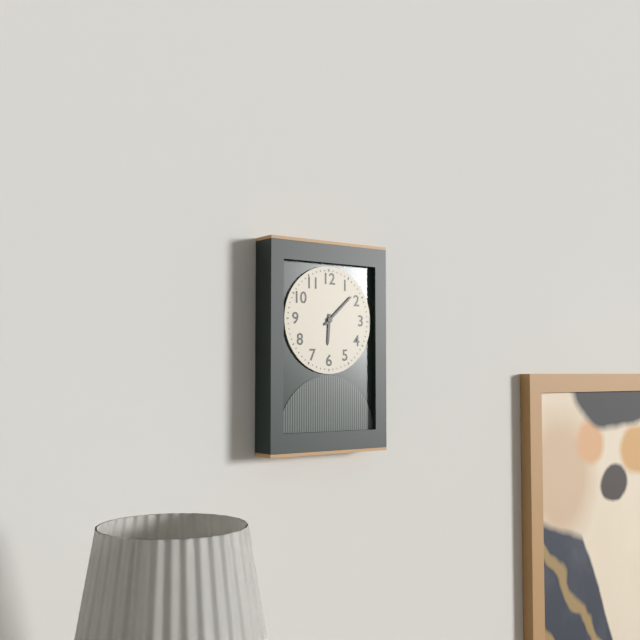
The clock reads **6:08**
